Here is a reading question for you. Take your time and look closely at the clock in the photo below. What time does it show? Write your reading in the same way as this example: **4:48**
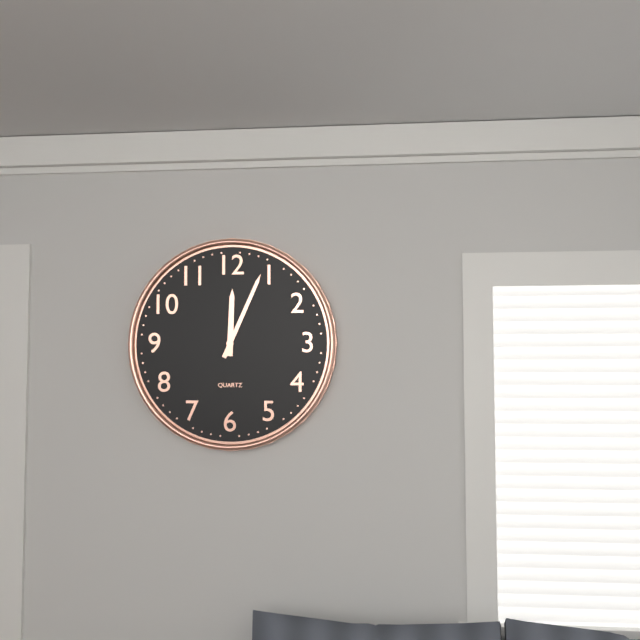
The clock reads **12:04**
